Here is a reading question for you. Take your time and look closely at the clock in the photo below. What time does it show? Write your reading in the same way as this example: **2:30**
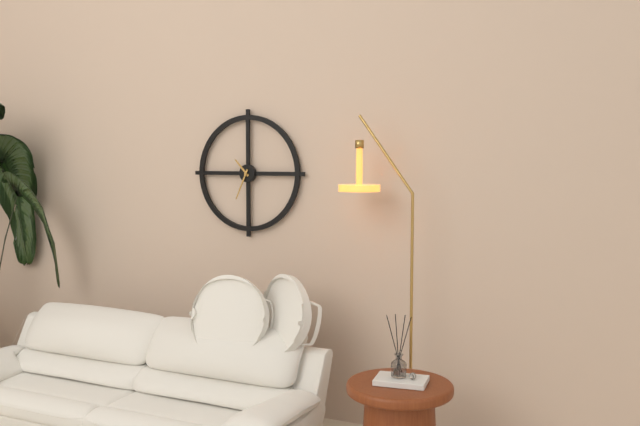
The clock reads **10:34**
